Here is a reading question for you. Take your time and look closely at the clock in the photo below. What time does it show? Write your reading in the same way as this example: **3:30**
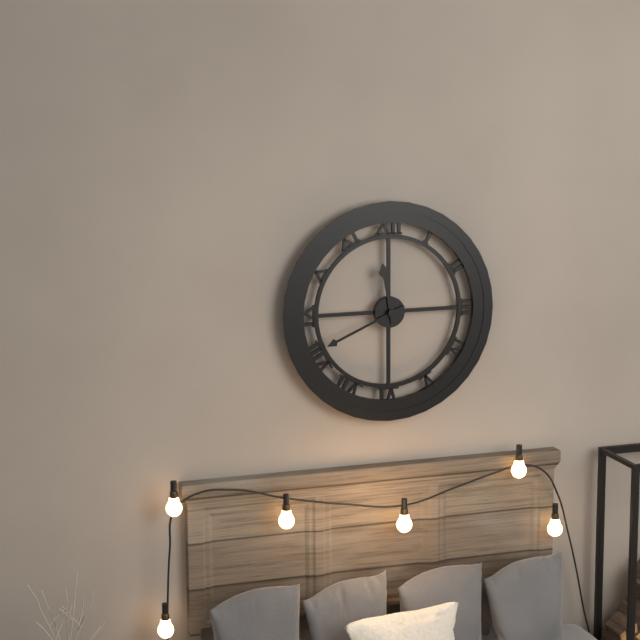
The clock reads **11:41**
